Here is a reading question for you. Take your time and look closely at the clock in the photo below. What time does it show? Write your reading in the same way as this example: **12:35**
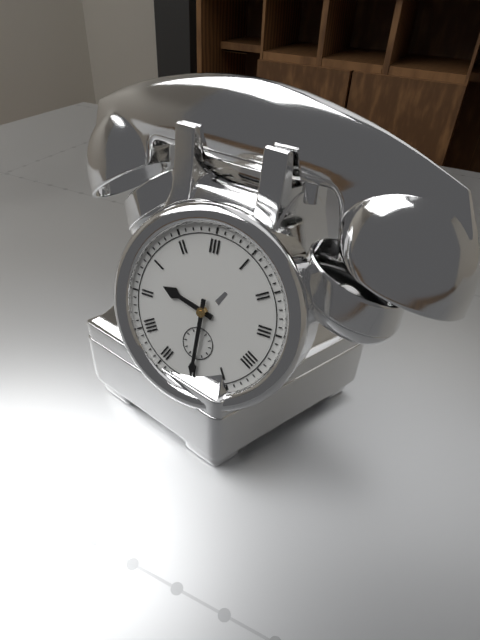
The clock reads **9:30**
